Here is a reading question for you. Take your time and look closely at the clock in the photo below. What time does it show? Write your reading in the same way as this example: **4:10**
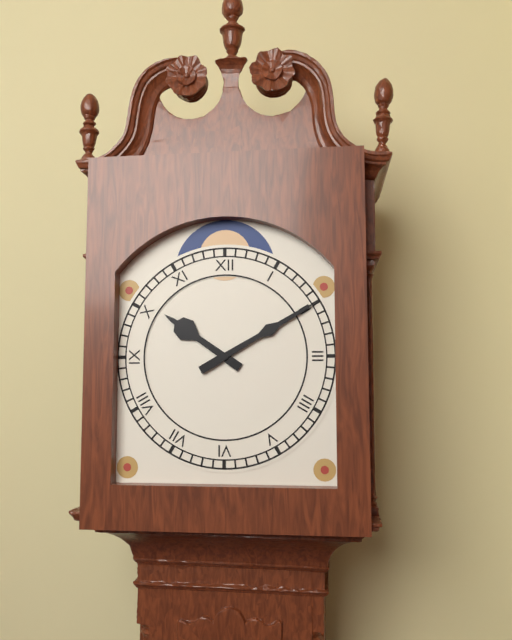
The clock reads **10:10**
